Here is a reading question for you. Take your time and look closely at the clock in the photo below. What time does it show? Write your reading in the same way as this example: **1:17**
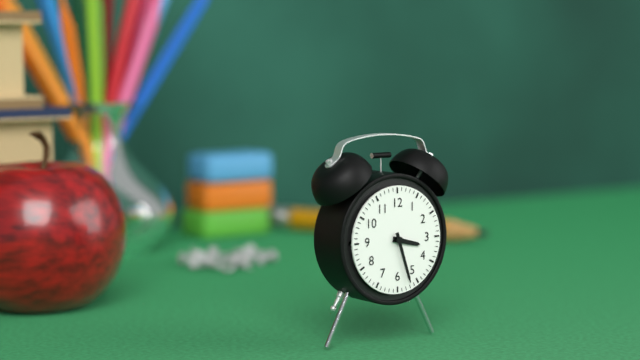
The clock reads **3:27**
